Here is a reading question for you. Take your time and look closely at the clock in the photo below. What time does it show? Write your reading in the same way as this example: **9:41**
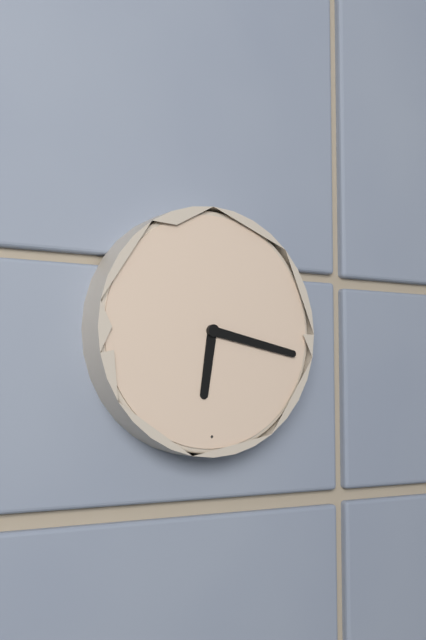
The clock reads **6:17**
